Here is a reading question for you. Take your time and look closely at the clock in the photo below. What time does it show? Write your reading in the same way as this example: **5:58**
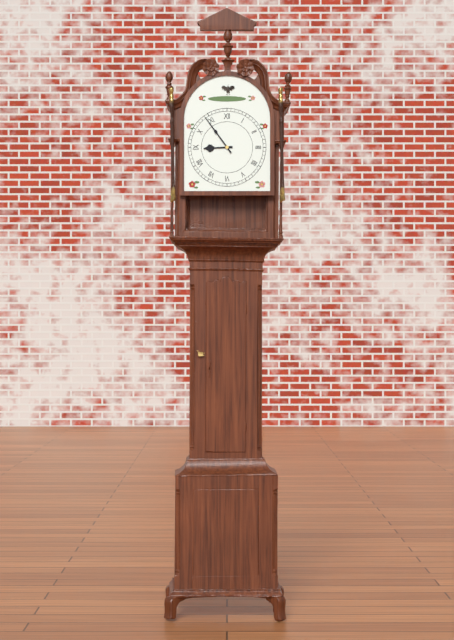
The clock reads **8:54**
